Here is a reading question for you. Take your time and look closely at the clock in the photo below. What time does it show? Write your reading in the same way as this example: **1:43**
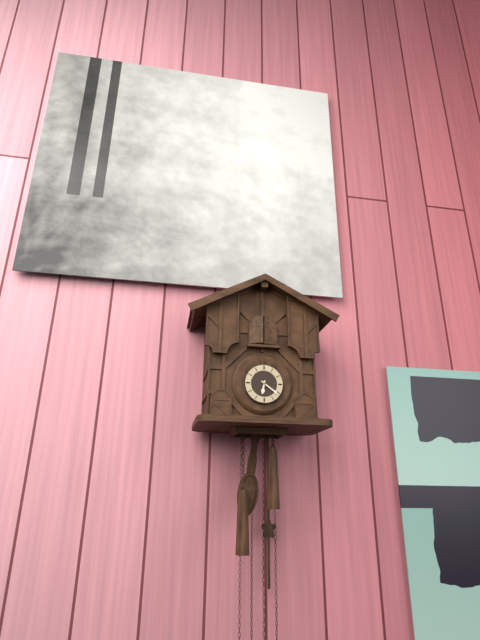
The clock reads **6:21**
